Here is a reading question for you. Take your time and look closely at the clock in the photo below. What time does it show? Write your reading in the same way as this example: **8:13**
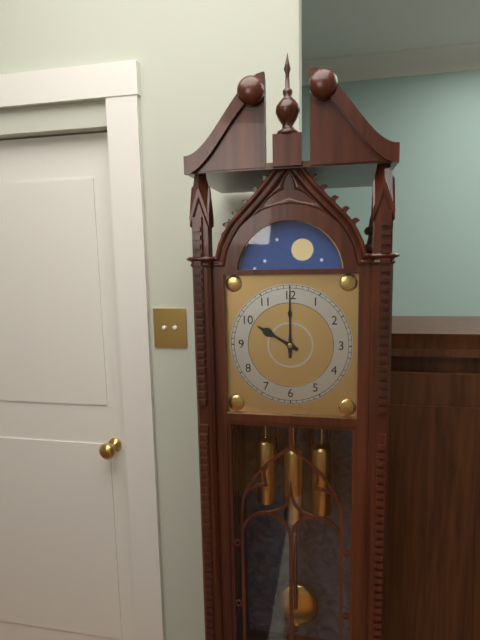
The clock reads **10:00**
